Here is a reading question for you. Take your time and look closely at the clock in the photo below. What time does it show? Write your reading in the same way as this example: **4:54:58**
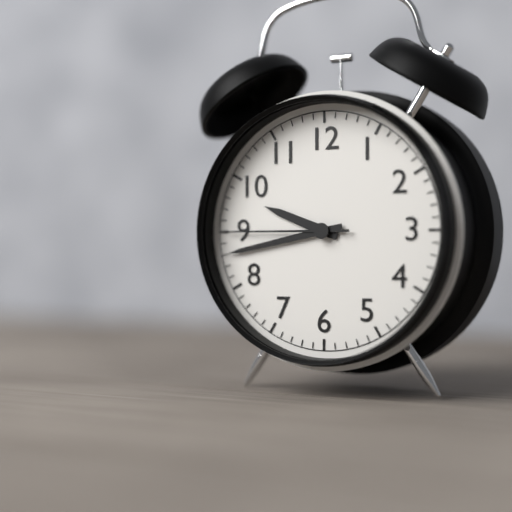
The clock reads **9:43:45**
